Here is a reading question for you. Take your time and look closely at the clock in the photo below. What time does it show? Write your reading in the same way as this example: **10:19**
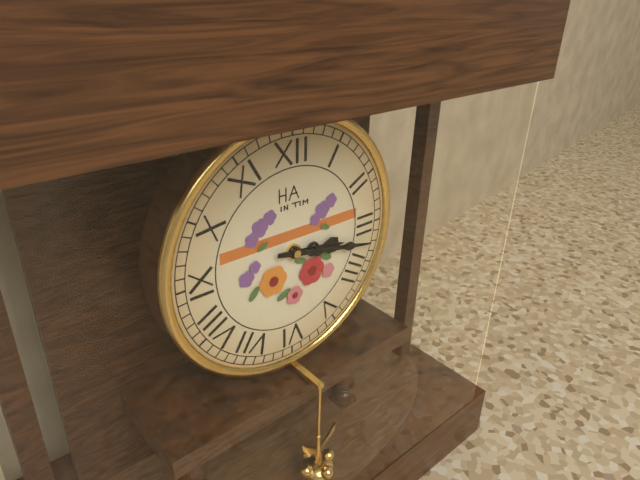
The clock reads **3:17**
